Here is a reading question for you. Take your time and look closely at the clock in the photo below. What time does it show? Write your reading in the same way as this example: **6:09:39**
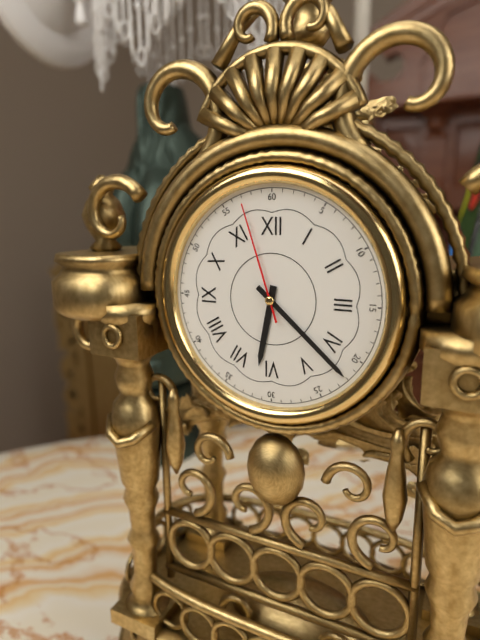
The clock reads **6:22:57**
